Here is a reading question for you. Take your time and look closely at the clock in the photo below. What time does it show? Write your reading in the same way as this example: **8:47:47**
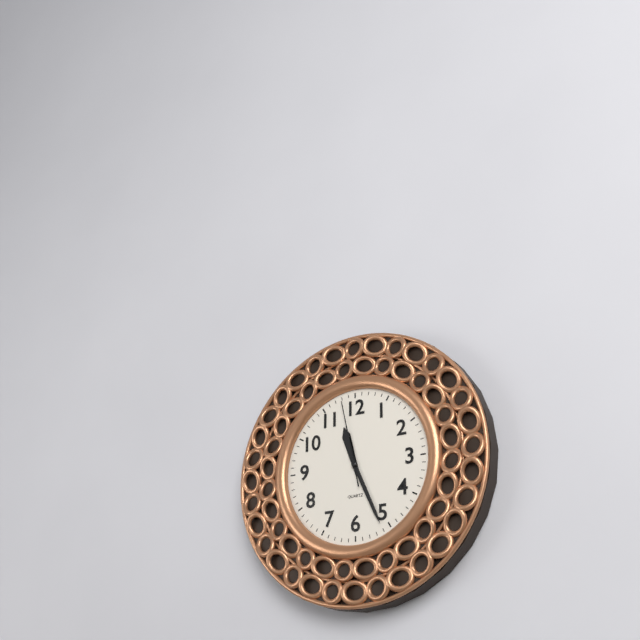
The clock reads **11:26:58**
